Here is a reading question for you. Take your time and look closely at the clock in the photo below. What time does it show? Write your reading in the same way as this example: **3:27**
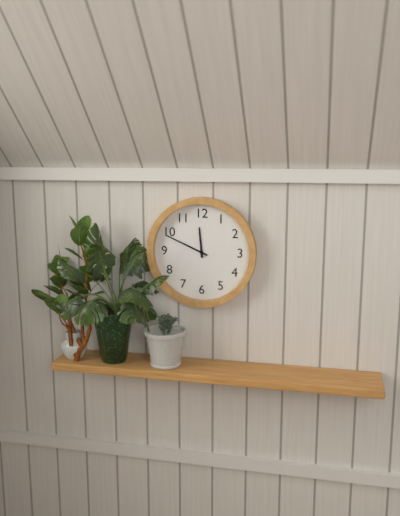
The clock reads **11:49**
